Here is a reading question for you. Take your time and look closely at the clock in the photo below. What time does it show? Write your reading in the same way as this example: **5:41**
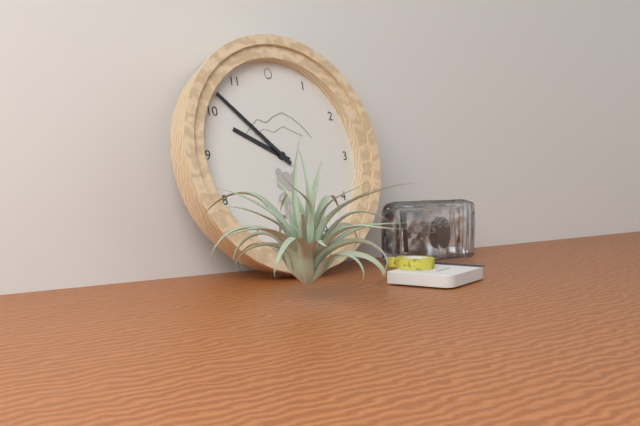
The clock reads **9:52**
